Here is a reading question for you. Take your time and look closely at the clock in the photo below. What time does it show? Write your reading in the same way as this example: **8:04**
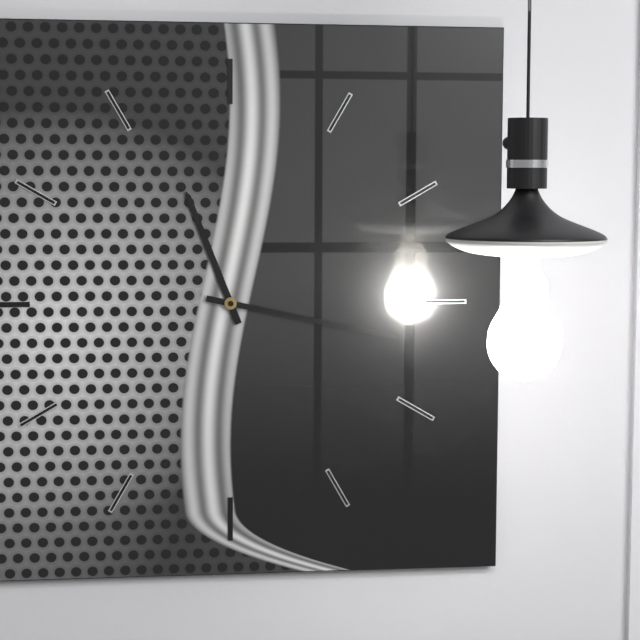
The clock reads **11:17**
